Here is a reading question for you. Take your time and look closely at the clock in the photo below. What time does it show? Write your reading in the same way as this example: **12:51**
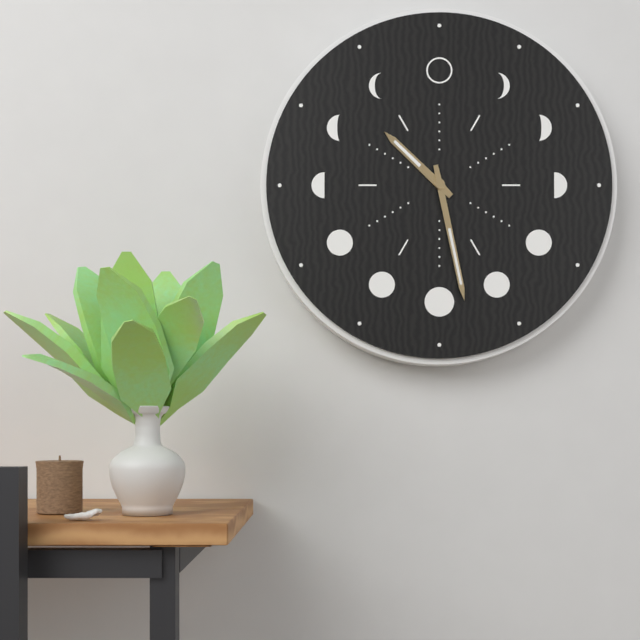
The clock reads **10:28**
